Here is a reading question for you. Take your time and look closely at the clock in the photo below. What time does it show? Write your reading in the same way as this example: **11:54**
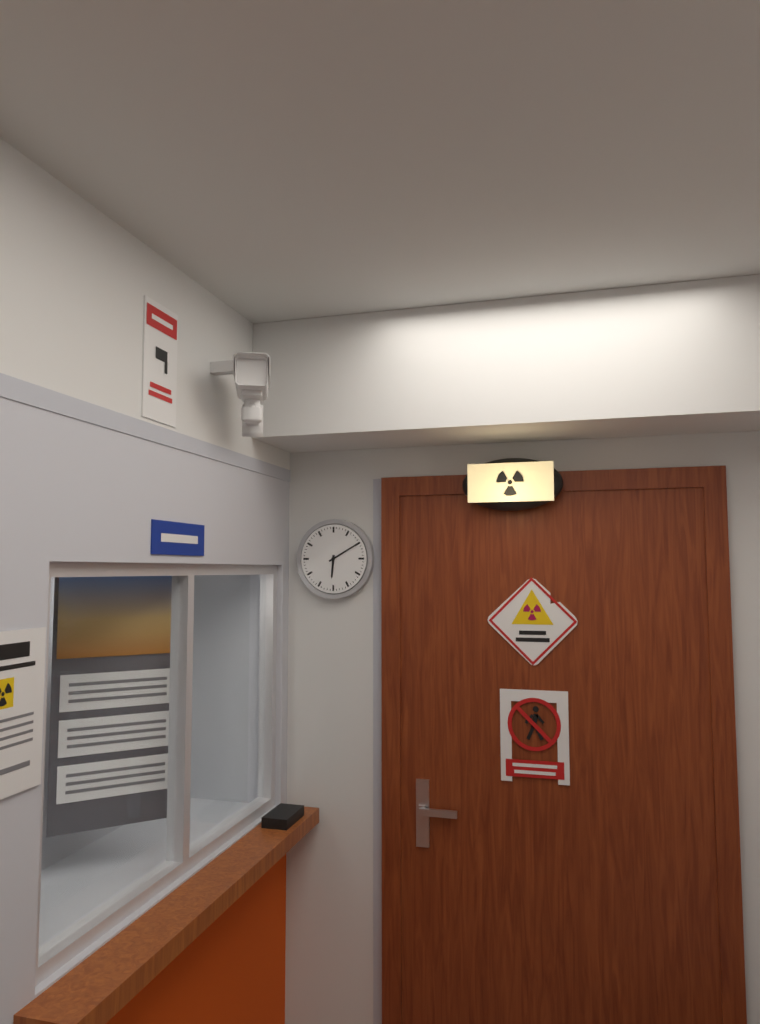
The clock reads **6:10**
